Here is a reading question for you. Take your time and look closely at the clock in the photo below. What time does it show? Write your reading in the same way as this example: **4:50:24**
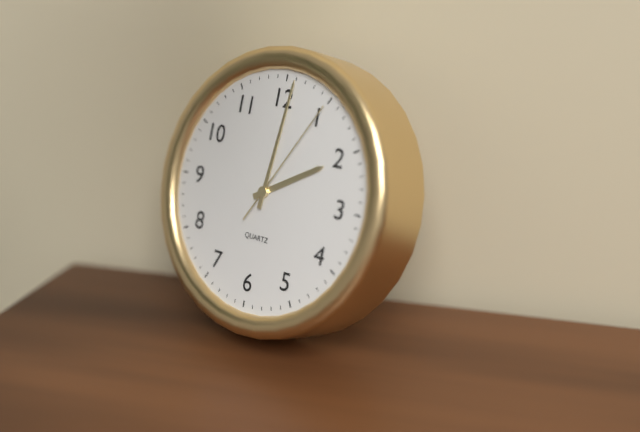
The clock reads **2:01:05**
